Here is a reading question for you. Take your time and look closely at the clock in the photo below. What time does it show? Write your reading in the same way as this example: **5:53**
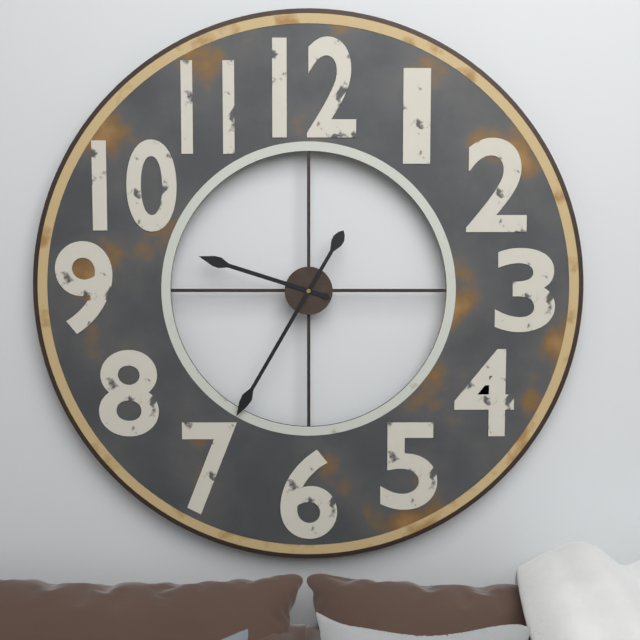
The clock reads **9:35**
